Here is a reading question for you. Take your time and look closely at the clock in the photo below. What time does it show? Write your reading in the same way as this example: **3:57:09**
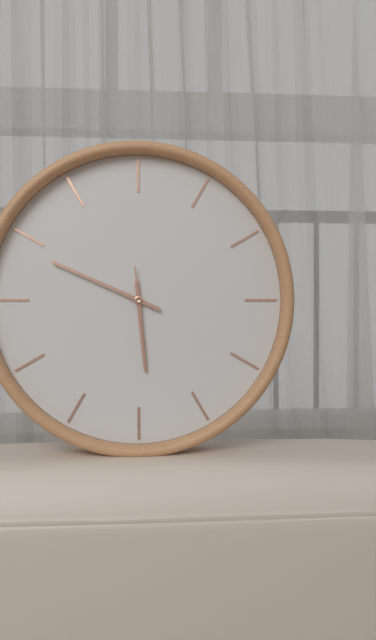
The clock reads **5:49:29**
